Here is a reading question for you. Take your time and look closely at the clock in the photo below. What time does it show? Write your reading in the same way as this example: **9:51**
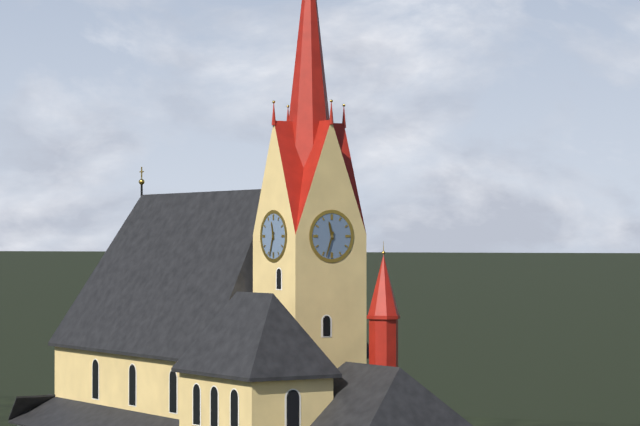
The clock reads **11:33**
